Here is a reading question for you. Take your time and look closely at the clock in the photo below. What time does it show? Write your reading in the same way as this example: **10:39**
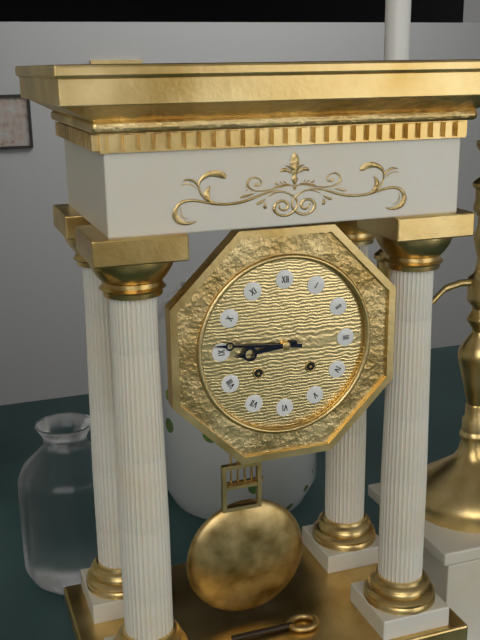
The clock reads **8:46**
